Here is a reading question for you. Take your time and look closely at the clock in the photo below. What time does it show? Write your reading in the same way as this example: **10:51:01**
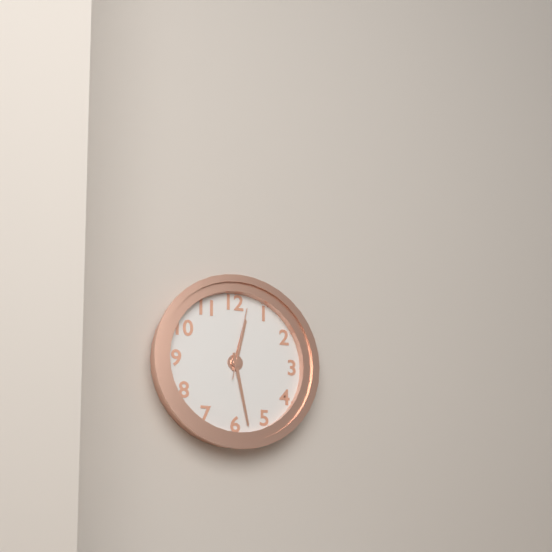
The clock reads **12:28:02**
